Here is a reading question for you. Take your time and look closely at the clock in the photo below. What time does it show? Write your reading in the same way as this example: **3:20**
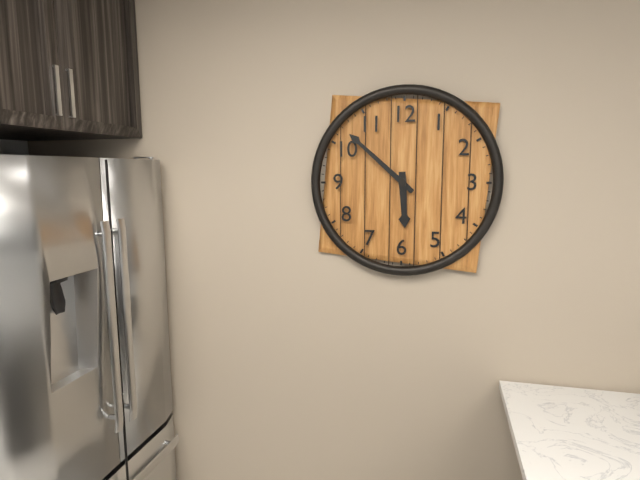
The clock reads **5:52**
